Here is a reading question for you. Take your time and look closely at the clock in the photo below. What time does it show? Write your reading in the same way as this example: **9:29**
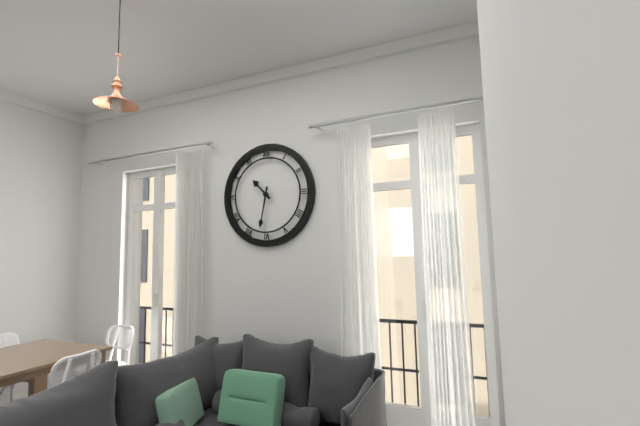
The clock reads **10:32**
